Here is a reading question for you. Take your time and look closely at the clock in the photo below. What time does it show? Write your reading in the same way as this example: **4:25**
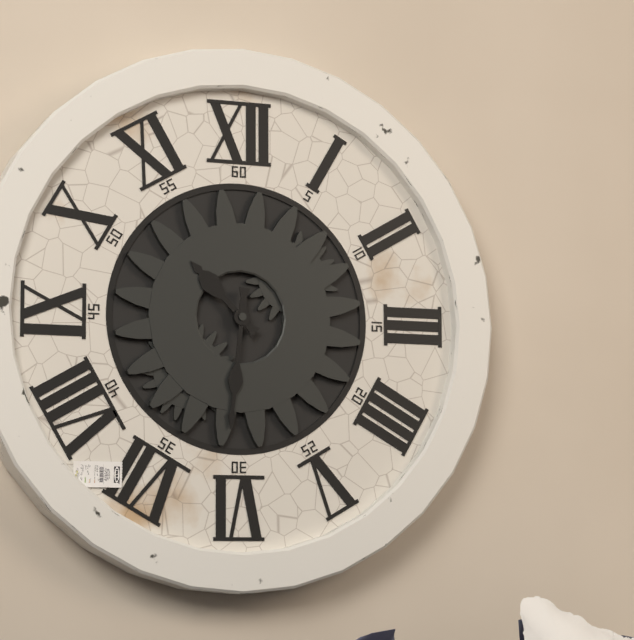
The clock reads **10:31**
